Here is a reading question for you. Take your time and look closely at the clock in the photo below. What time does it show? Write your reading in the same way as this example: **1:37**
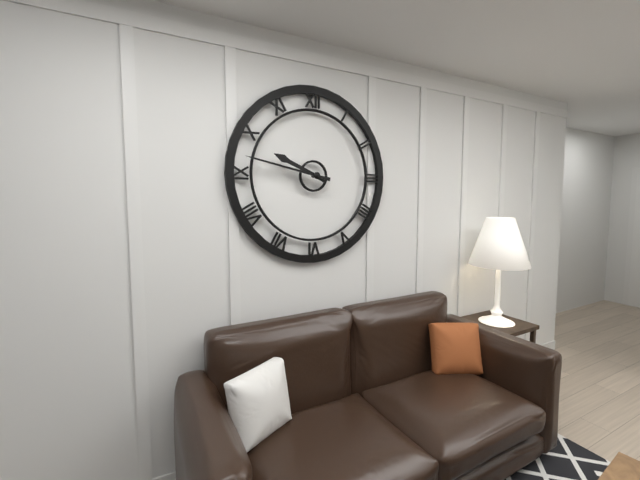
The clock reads **9:47**
